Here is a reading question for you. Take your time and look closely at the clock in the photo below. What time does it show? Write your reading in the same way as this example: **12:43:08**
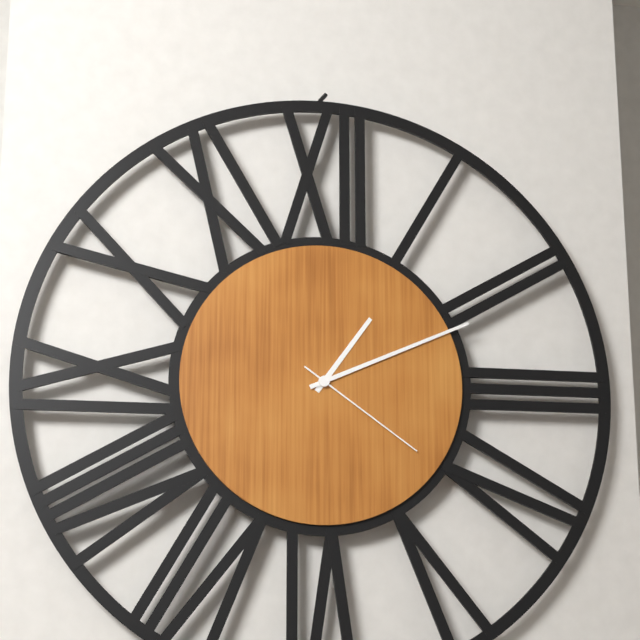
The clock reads **1:11:21**
